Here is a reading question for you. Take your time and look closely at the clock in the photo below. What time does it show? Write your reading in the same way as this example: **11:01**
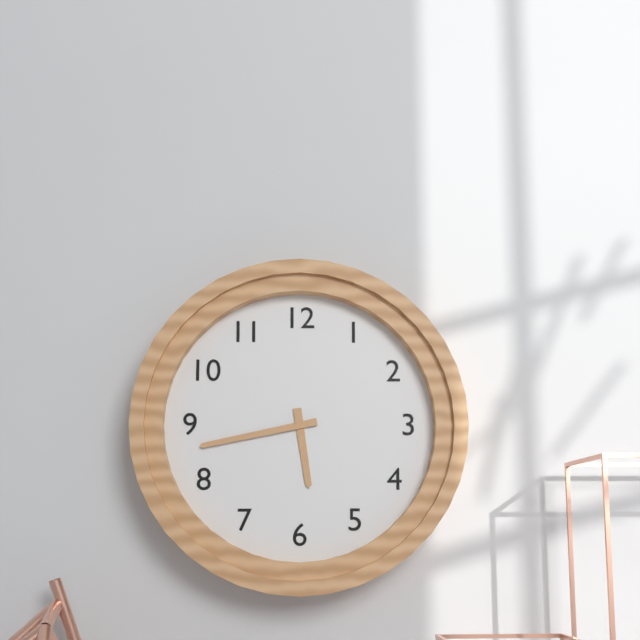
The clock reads **5:43**
